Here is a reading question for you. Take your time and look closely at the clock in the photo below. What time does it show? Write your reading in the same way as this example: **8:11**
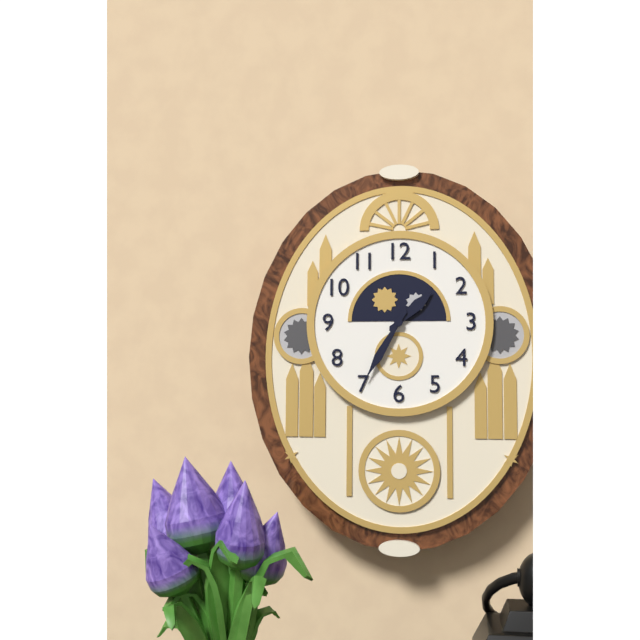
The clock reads **1:35**
